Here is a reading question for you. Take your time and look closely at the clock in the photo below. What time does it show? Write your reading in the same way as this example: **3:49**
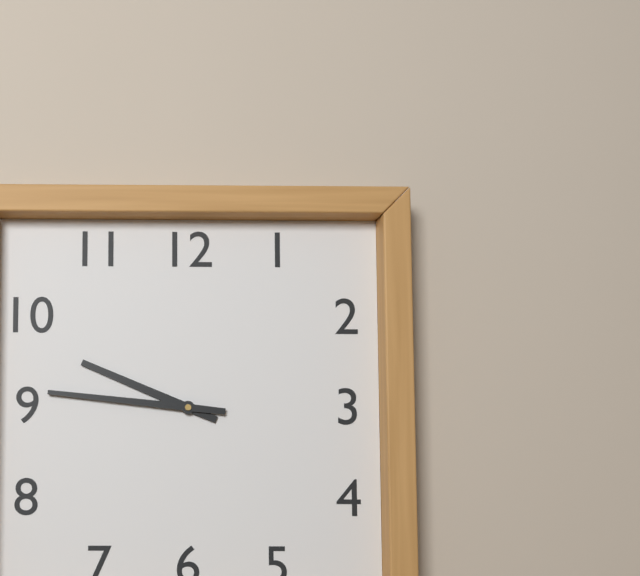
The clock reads **9:46**
